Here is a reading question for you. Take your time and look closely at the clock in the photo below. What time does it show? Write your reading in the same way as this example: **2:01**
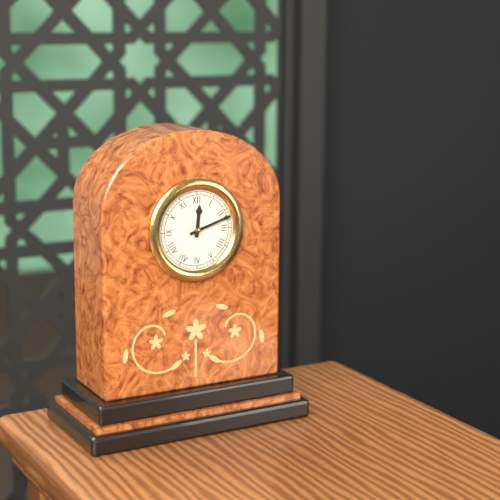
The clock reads **12:12**
